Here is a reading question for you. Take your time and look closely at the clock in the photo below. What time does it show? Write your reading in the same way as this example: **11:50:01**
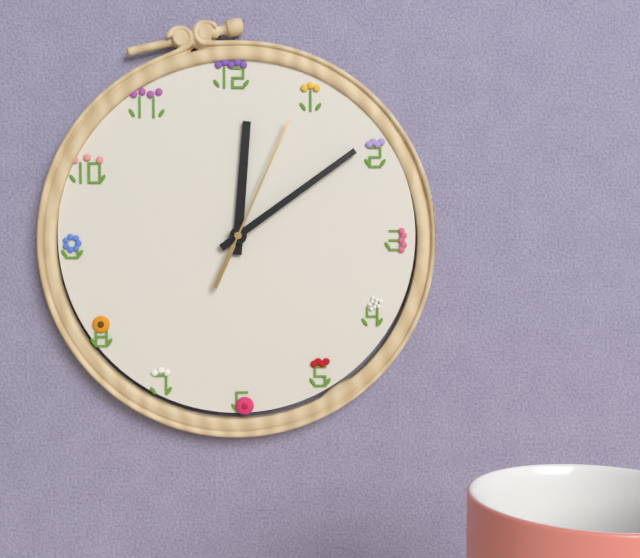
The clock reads **12:09:04**
